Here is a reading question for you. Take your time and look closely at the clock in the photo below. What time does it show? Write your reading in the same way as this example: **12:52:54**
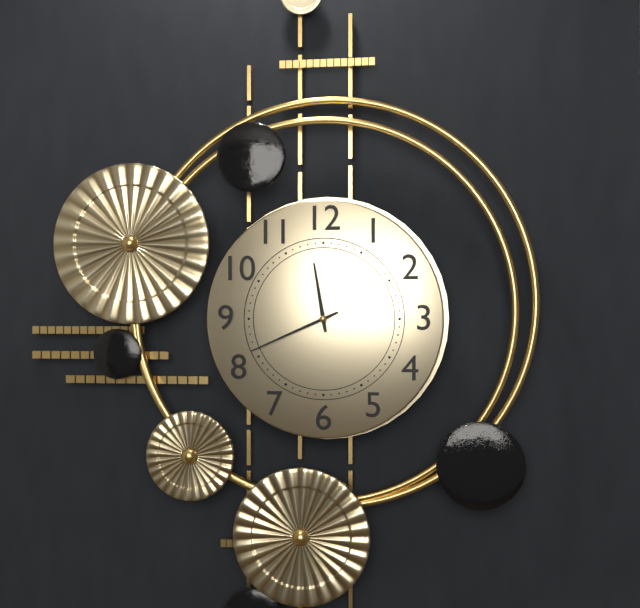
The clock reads **11:41:41**
